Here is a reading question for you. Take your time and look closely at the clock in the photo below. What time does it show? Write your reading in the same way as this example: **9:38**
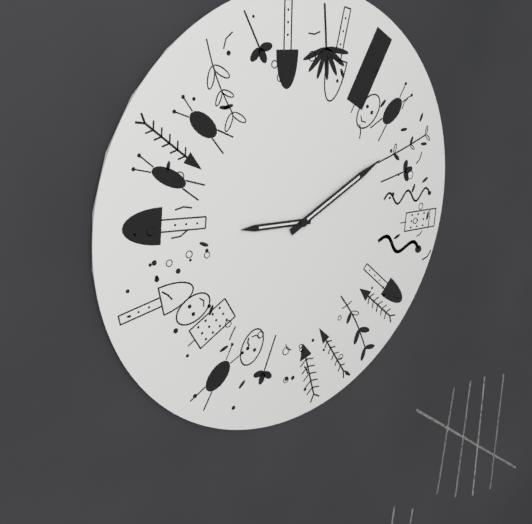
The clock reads **9:11**
